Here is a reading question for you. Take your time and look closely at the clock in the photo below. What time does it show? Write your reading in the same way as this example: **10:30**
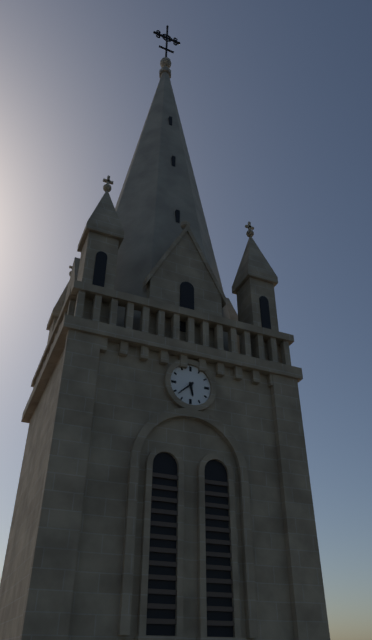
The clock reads **5:38**
